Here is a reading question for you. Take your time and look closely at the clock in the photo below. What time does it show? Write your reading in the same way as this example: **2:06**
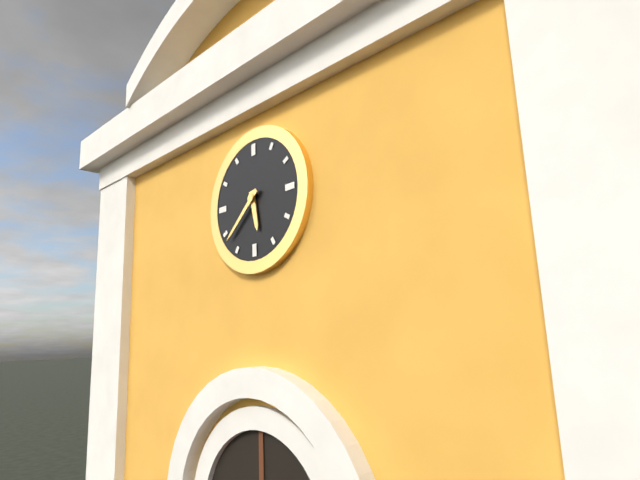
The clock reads **5:38**
